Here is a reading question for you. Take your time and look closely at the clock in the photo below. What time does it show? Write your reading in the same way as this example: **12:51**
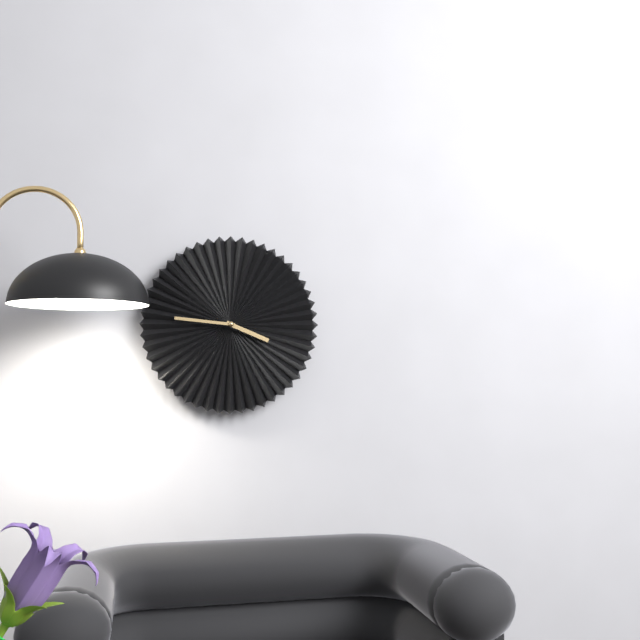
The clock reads **3:46**
